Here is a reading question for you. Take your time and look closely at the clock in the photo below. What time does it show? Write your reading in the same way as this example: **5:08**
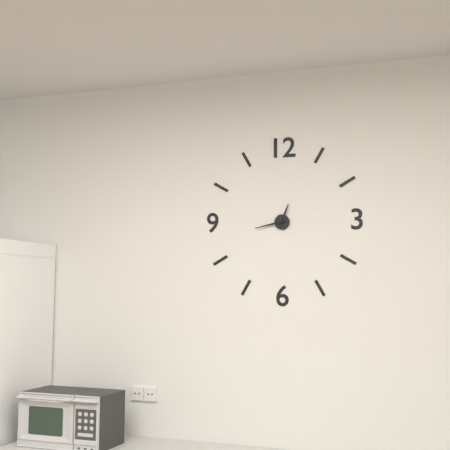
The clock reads **12:43**
